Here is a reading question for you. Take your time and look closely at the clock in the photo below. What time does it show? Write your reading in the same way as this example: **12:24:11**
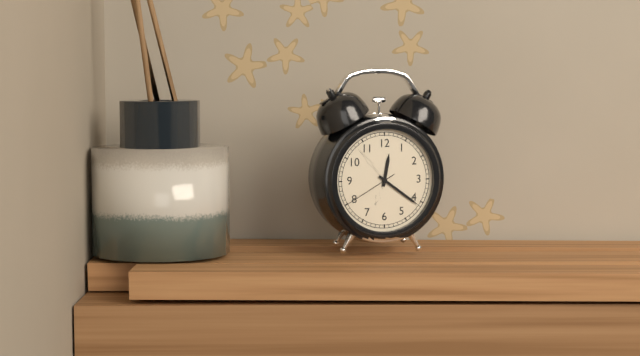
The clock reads **12:21:40**
